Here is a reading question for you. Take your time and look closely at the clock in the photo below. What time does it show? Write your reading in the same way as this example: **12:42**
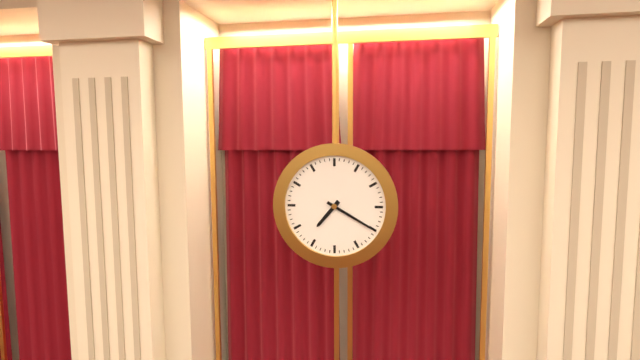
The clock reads **7:20**
